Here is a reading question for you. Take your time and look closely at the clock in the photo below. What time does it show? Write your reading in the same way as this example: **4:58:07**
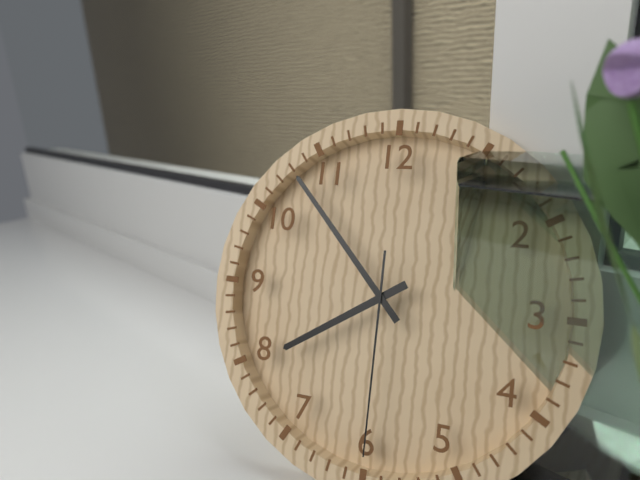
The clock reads **7:53:30**
